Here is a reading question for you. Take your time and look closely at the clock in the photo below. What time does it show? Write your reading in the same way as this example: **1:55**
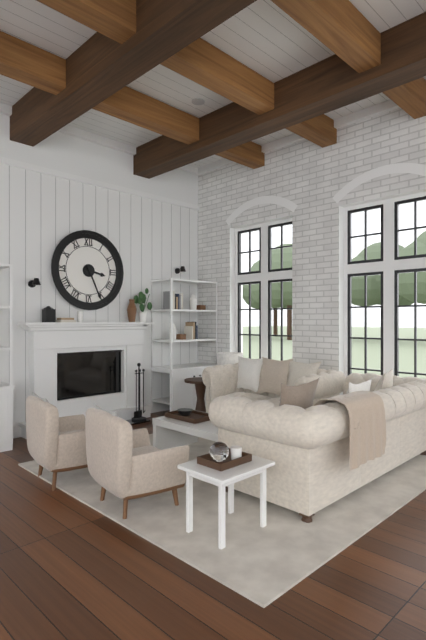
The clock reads **3:26**
